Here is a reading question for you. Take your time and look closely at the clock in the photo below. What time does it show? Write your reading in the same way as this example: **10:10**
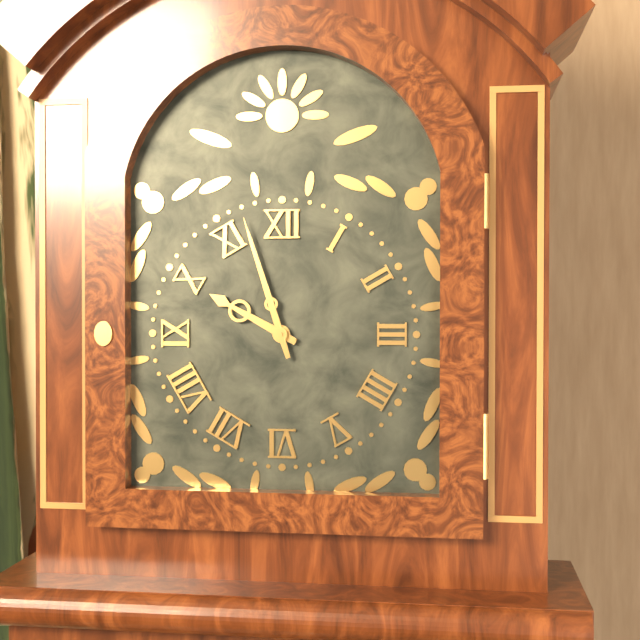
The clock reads **9:57**
